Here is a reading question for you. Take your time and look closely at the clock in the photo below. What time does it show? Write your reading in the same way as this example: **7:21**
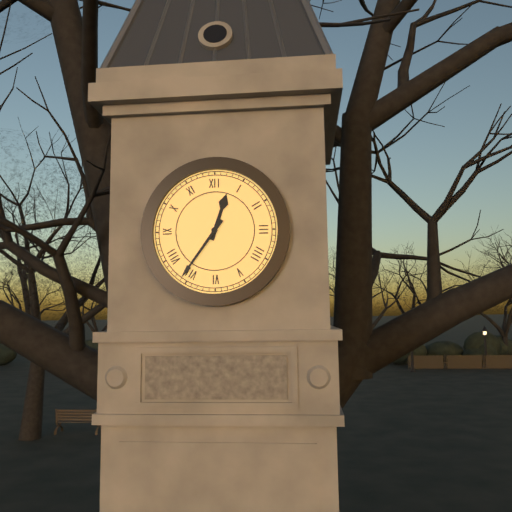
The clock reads **12:36**
